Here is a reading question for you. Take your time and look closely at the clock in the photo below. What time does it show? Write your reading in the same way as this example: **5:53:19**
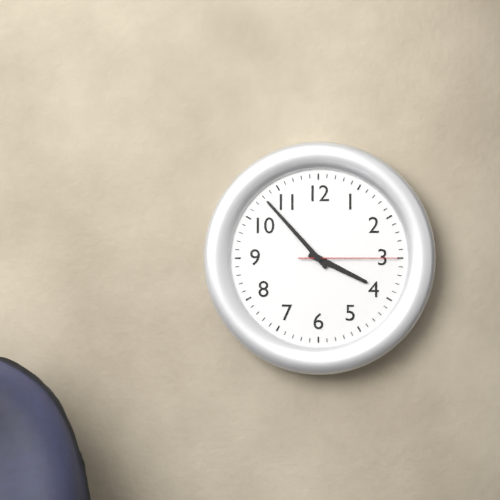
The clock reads **3:53:15**
